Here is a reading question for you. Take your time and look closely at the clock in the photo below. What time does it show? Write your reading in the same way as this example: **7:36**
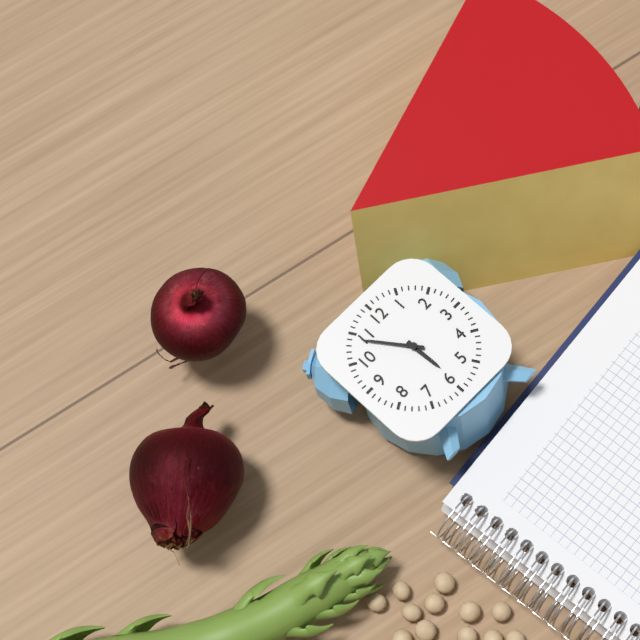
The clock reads **5:54**
